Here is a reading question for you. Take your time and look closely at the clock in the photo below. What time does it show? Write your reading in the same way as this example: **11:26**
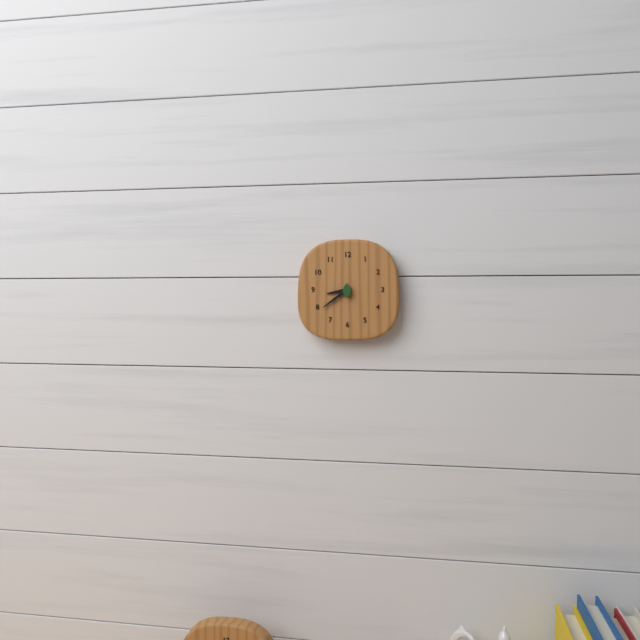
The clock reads **8:39**
